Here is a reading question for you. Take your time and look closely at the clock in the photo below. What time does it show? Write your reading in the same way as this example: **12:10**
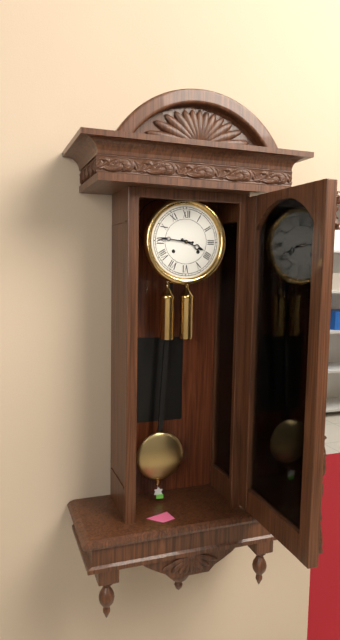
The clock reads **3:46**
